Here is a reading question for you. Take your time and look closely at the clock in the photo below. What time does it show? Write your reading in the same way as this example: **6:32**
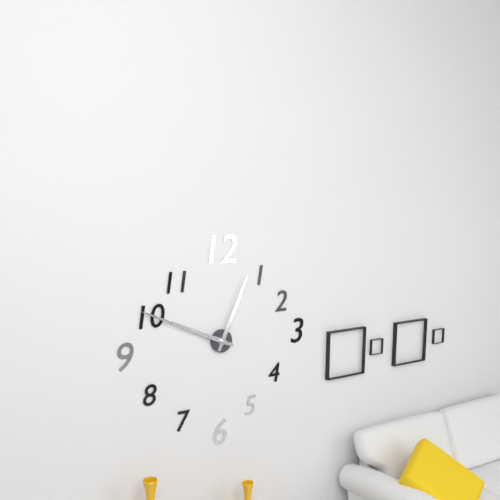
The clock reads **12:49**
